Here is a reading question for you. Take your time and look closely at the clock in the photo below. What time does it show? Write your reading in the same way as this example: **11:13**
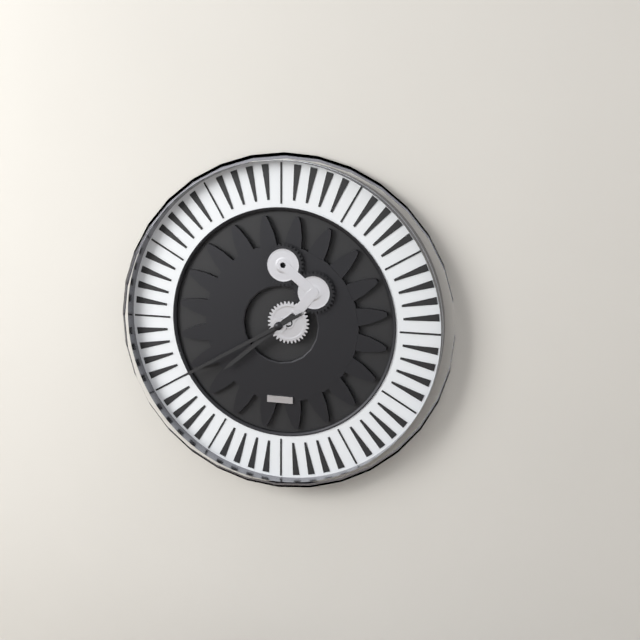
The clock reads **7:40**
